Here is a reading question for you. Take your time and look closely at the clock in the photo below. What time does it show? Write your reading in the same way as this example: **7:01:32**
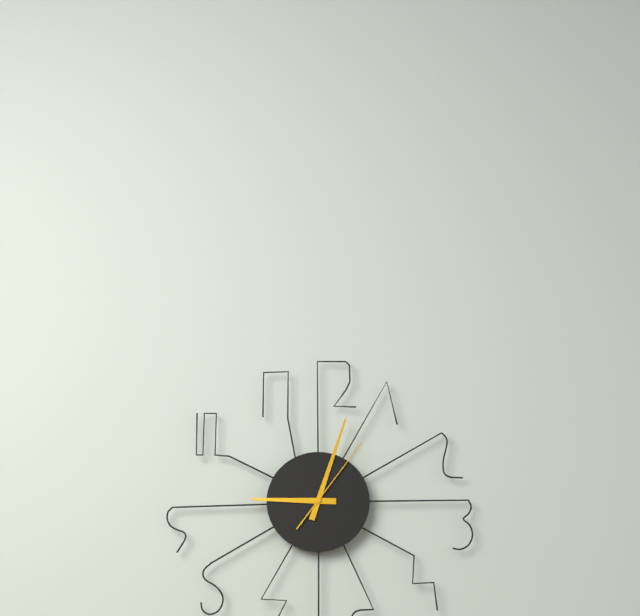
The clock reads **9:03:06**
